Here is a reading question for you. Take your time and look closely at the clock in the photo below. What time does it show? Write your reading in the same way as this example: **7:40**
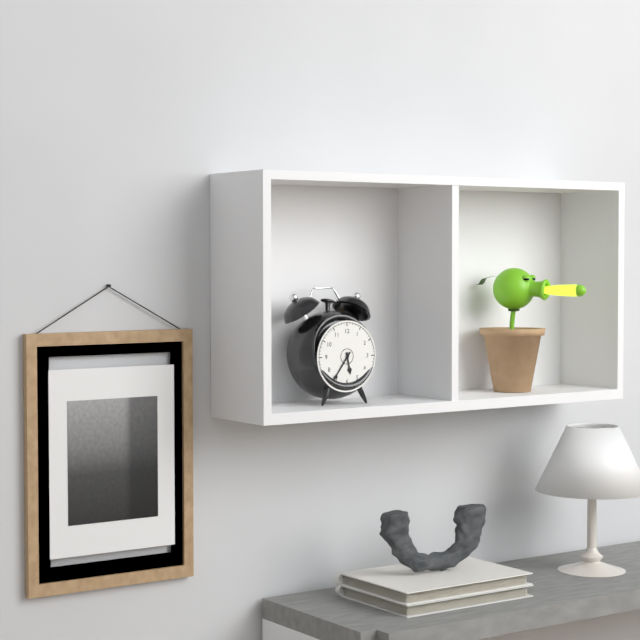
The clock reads **5:36**
